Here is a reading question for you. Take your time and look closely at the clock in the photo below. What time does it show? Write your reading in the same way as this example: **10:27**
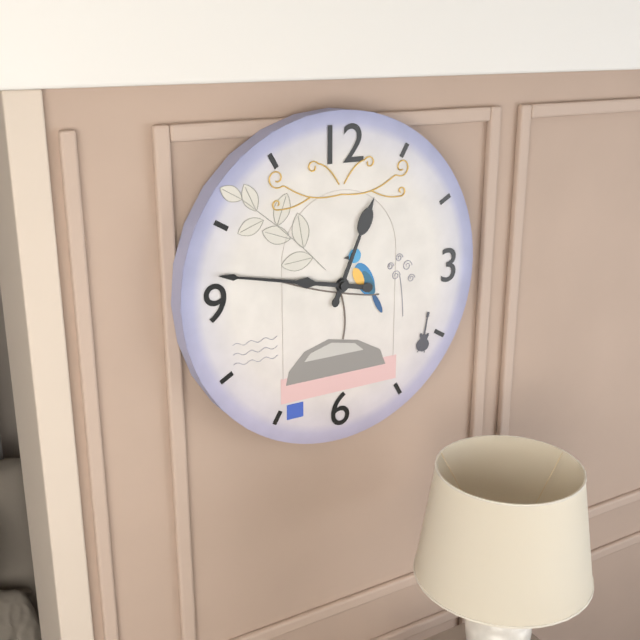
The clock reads **12:47**
